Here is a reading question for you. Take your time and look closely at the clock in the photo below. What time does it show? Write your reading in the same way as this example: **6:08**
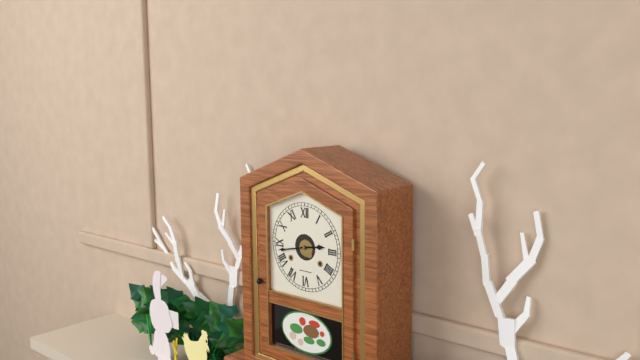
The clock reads **2:43**
